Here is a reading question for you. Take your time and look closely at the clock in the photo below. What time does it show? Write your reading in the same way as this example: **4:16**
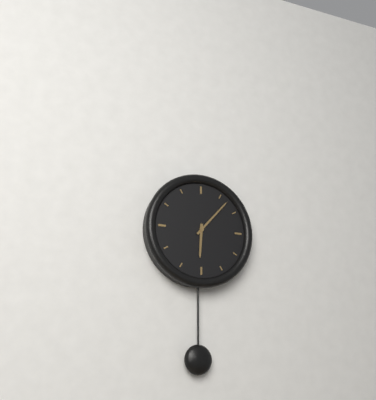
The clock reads **6:07**
